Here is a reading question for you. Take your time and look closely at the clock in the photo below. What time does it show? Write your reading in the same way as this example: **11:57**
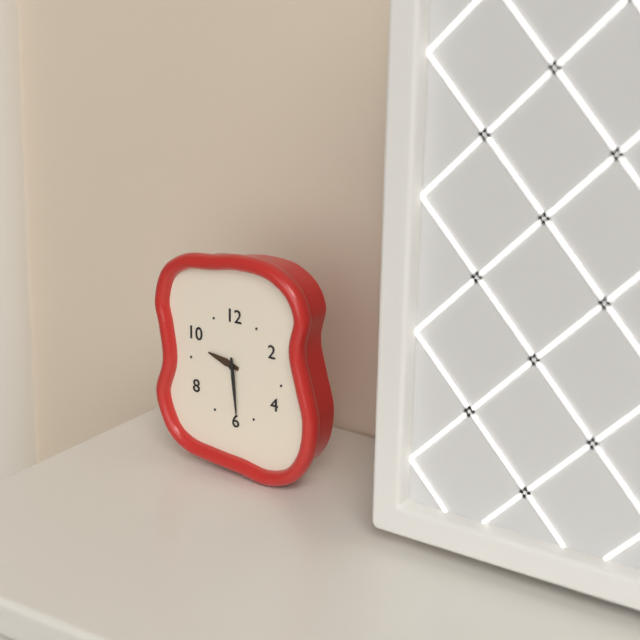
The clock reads **9:29**
